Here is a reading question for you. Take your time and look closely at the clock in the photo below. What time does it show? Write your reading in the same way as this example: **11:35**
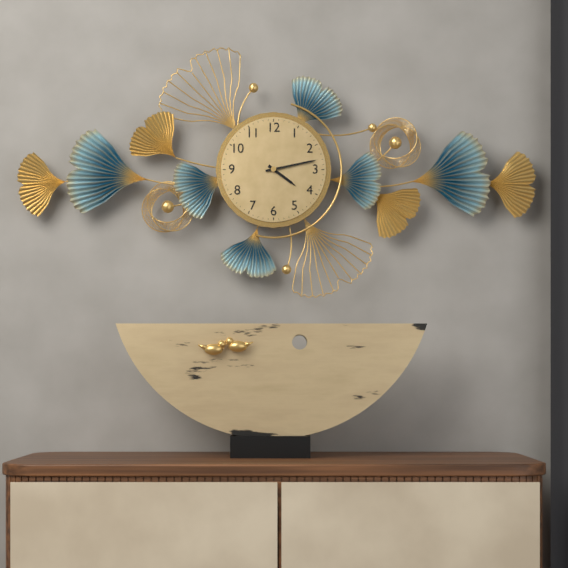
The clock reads **4:13**
